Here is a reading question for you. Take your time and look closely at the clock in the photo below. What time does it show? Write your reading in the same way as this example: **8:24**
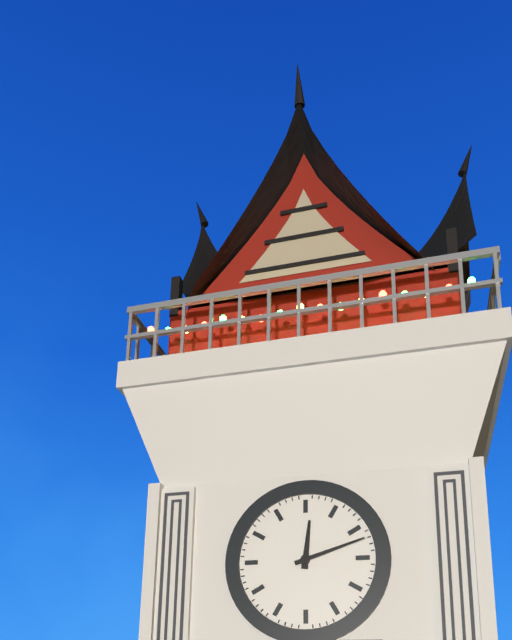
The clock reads **12:12**
